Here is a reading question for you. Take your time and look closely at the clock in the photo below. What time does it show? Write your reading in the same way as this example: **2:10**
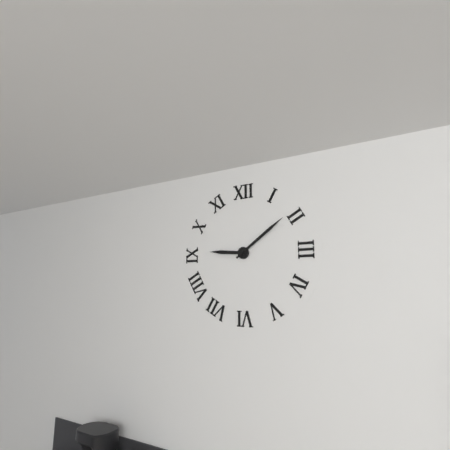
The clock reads **9:09**
